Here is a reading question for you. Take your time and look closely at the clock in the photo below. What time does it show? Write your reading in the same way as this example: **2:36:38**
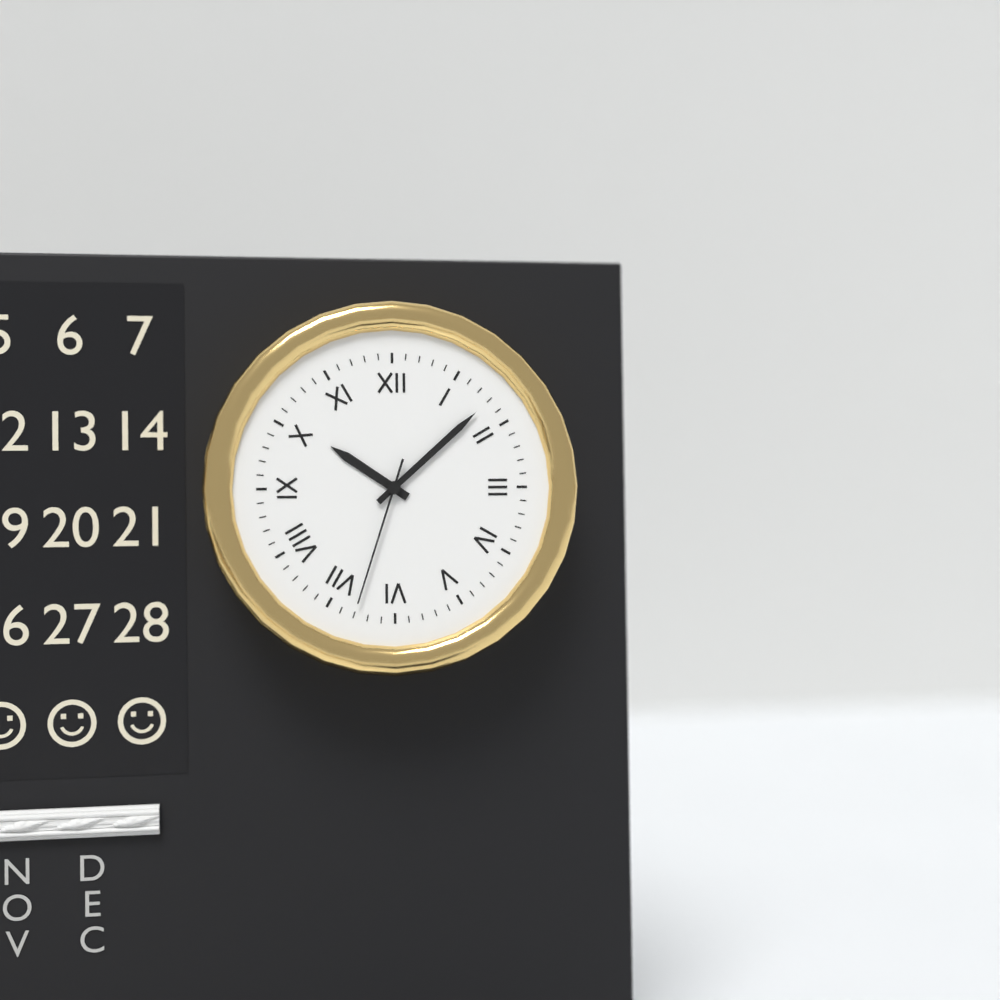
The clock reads **10:08:33**
